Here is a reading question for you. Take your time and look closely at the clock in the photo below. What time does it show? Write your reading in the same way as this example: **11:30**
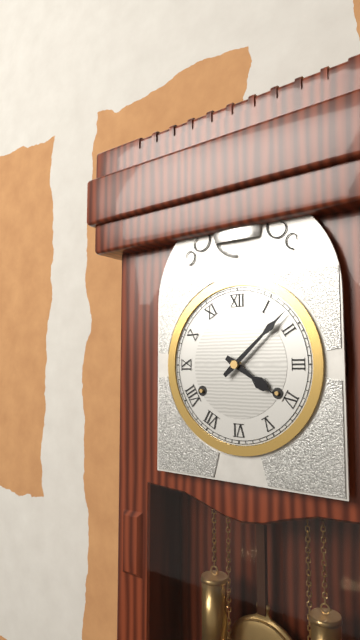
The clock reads **4:08**
